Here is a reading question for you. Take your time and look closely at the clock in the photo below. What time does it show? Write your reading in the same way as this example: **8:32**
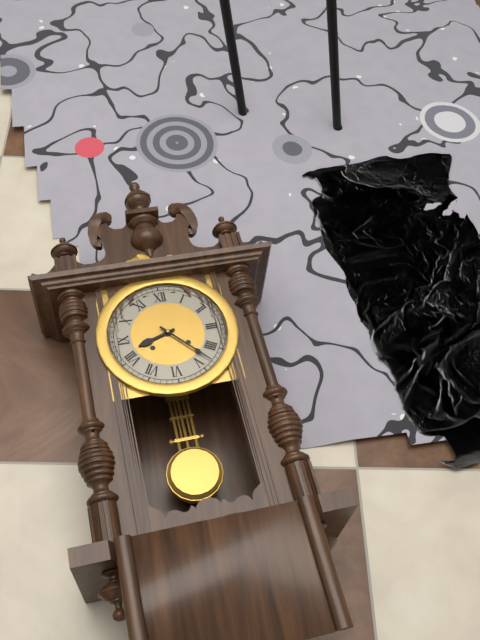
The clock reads **8:23**
